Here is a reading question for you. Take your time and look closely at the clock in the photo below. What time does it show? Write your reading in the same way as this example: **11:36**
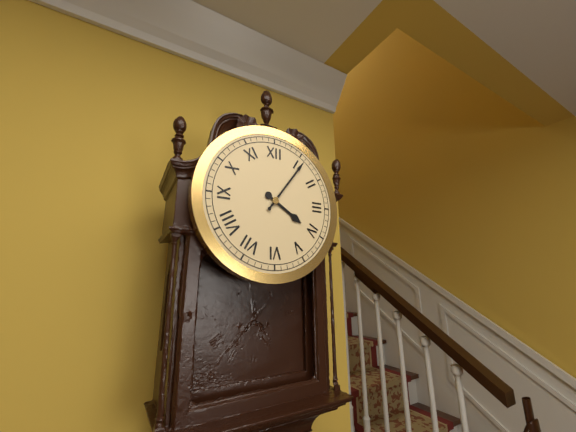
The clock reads **4:06**
